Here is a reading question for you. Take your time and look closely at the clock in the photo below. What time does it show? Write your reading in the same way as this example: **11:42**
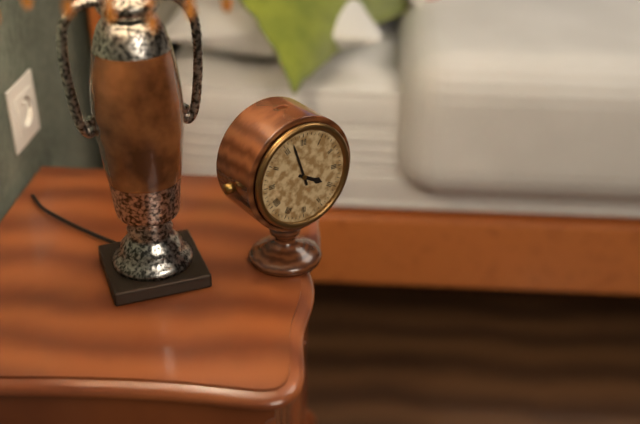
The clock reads **3:57**
